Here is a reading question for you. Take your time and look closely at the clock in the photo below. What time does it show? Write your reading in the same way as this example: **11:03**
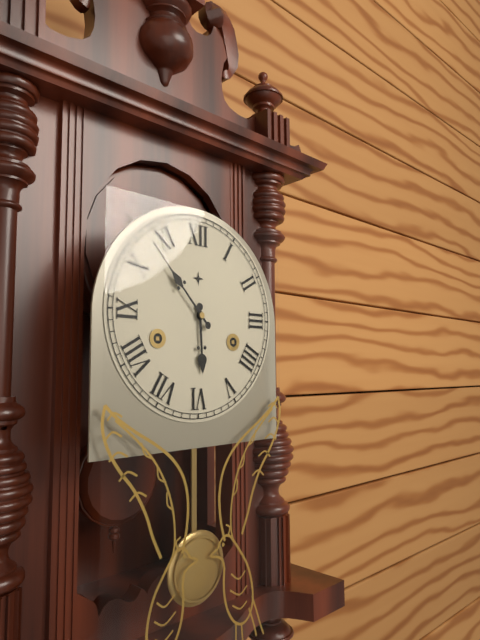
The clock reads **5:53**
